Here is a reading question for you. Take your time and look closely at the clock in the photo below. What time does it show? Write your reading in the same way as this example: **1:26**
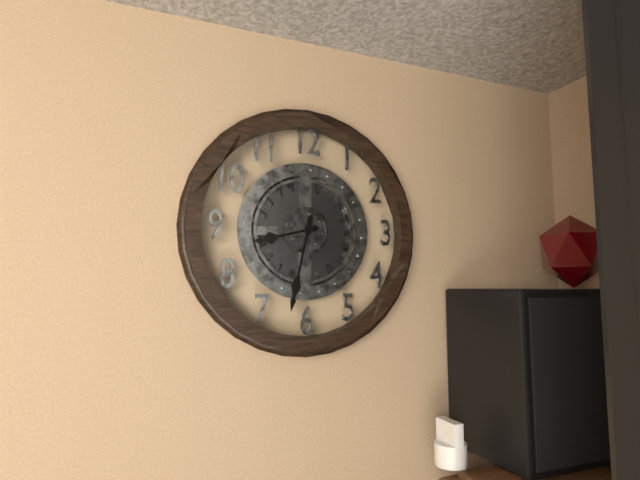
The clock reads **8:32**
